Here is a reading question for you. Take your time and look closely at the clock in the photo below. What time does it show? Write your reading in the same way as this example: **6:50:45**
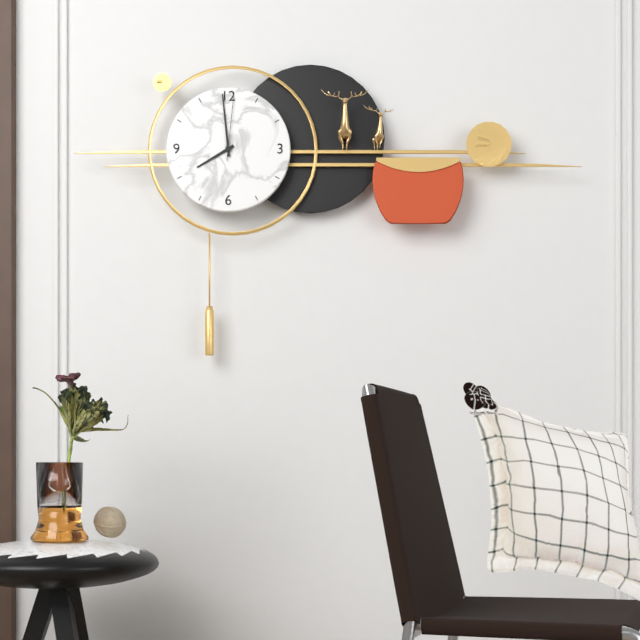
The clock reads **7:59:01**
